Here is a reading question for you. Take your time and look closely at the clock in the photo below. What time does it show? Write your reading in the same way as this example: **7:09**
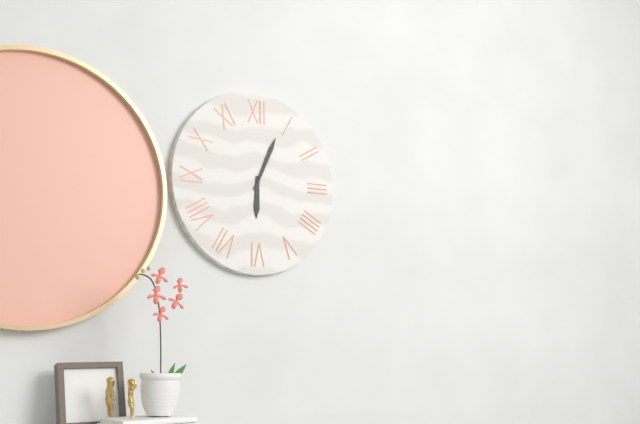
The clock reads **6:04**
